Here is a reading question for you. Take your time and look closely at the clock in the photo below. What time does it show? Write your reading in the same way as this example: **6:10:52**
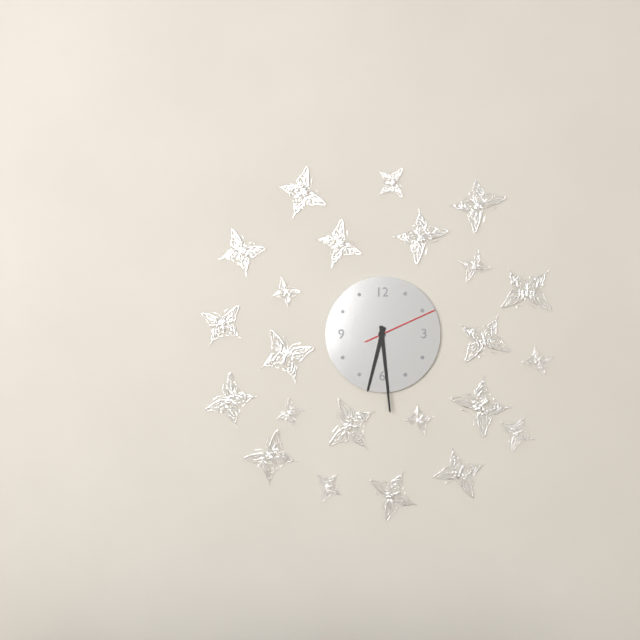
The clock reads **6:29:11**
